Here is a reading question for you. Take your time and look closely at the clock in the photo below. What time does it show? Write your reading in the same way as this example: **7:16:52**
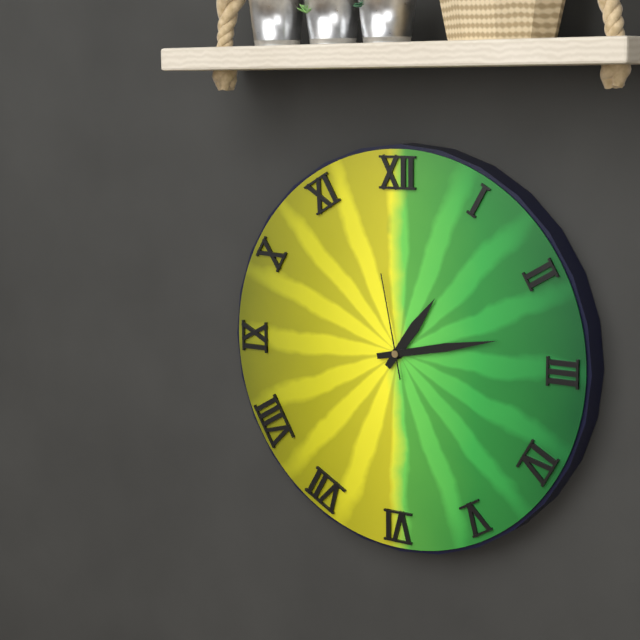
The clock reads **1:13:58**
